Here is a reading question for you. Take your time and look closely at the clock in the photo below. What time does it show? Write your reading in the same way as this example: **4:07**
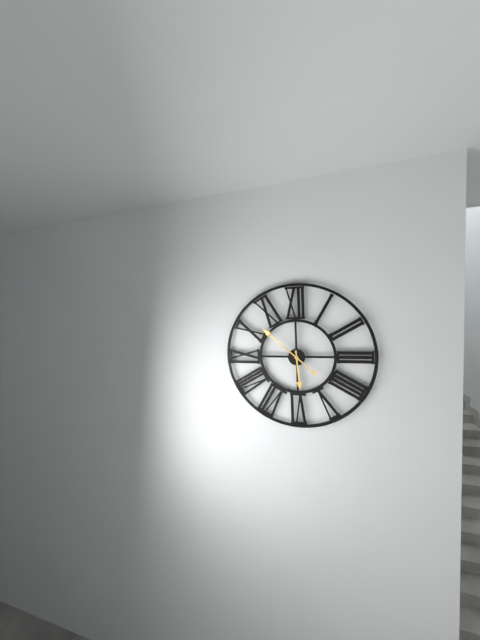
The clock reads **5:52**
